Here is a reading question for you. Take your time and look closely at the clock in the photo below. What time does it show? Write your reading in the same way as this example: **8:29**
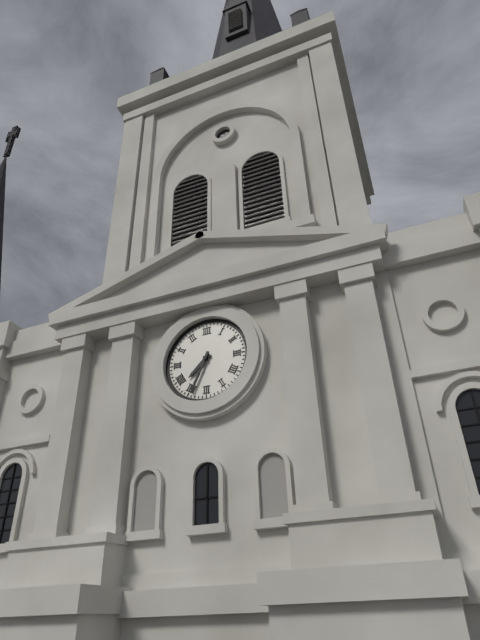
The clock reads **7:34**
